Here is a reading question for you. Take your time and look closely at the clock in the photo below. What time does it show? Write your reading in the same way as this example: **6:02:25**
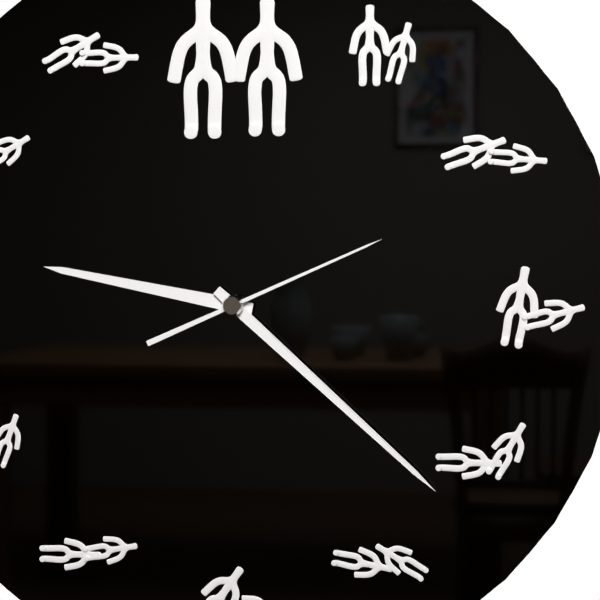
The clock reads **9:22:11**
